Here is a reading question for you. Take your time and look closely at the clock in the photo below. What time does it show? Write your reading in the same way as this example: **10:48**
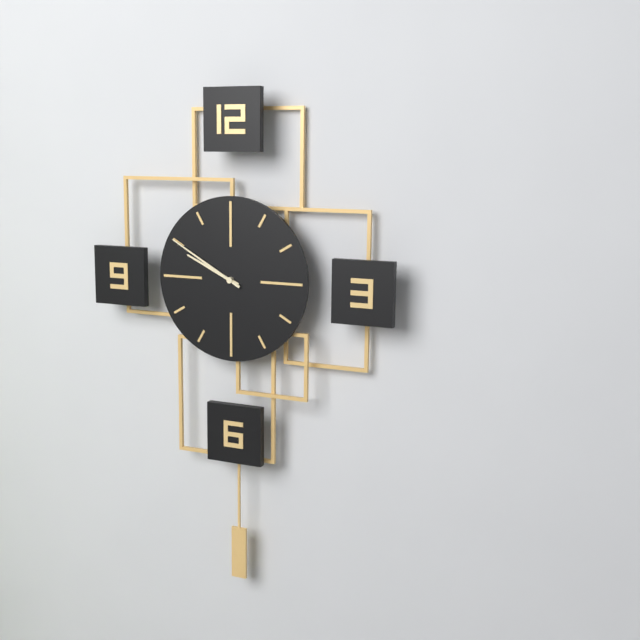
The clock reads **9:50**
